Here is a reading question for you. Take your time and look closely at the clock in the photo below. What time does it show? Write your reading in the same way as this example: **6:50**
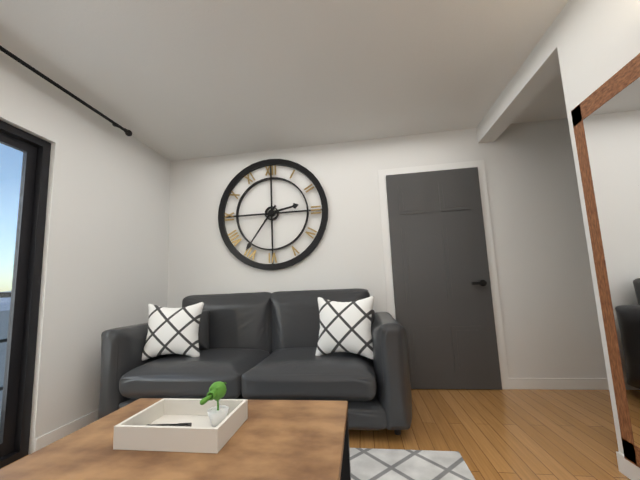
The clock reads **2:36**
